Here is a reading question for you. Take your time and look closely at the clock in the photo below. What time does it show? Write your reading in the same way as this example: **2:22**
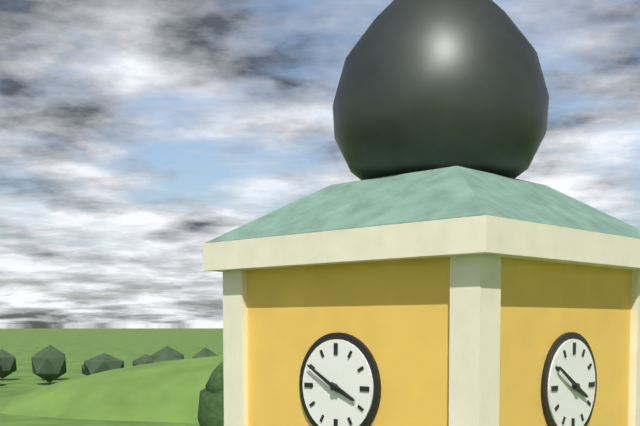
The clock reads **3:50**
